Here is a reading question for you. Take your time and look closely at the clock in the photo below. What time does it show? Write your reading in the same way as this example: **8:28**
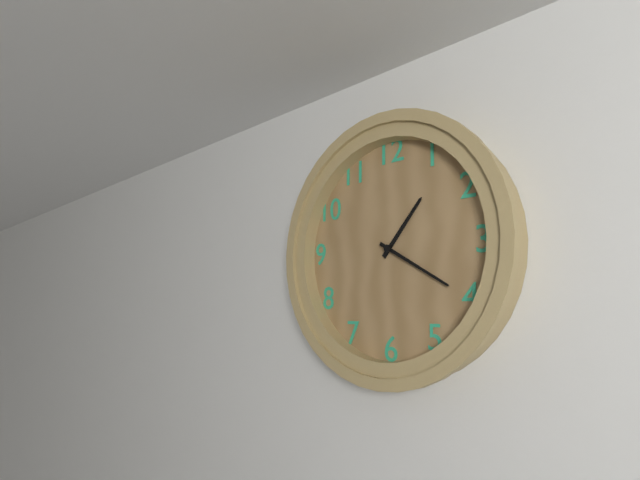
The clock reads **1:20**
